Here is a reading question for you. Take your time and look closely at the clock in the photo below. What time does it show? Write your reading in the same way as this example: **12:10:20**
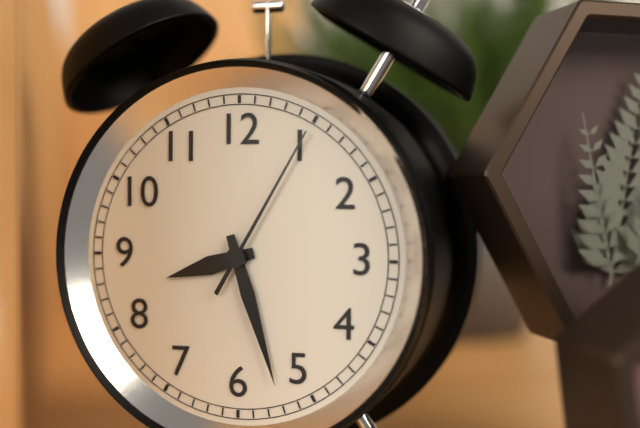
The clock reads **8:27:05**
